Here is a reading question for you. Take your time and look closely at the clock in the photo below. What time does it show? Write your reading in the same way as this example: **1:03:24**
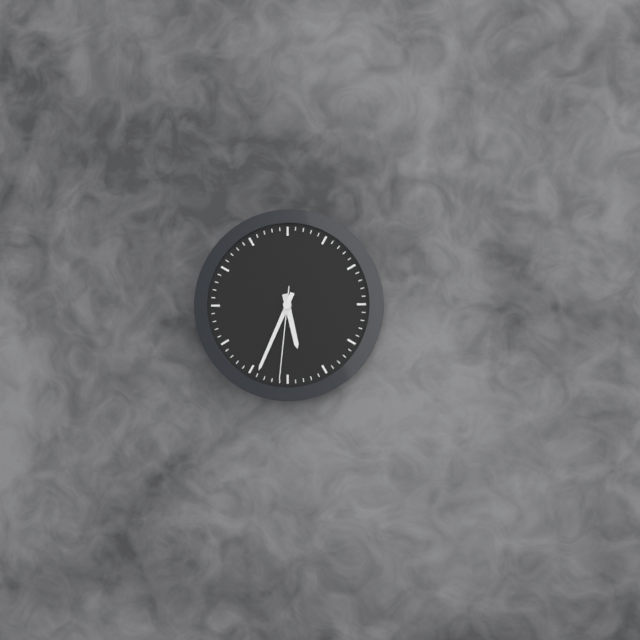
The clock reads **5:34:31**
